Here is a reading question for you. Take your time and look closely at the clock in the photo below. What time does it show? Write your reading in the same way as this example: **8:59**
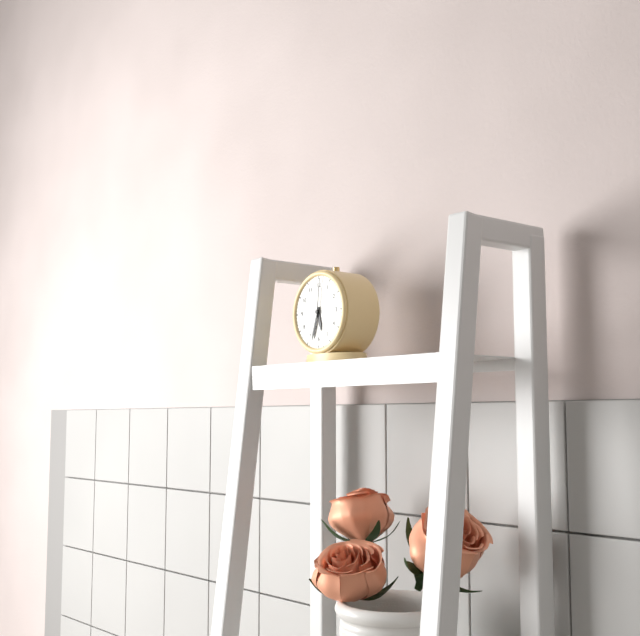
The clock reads **5:33**
